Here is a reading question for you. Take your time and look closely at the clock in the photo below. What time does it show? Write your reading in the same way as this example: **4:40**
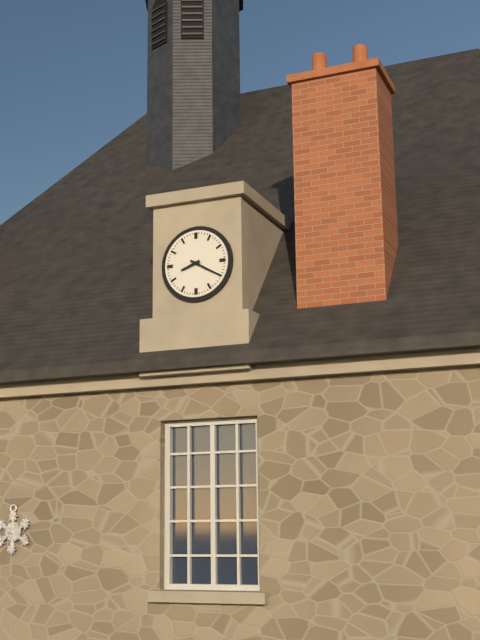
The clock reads **8:20**
